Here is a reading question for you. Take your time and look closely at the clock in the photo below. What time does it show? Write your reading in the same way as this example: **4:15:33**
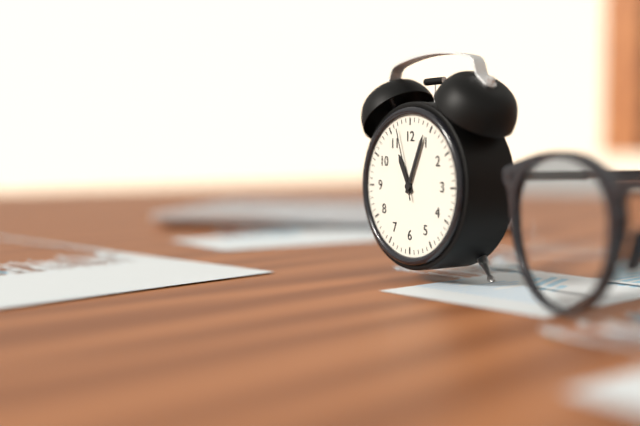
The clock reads **11:04:57**
